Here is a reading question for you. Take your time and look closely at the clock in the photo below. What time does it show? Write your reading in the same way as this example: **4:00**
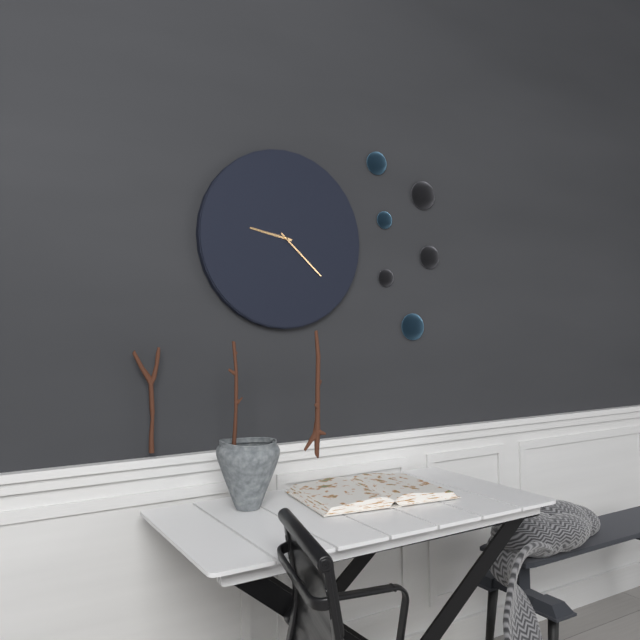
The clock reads **9:22**
